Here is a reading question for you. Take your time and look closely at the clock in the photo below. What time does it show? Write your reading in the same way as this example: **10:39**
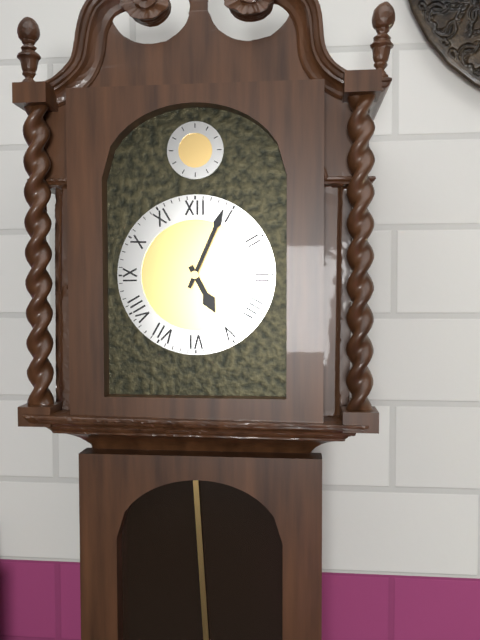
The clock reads **5:04**
